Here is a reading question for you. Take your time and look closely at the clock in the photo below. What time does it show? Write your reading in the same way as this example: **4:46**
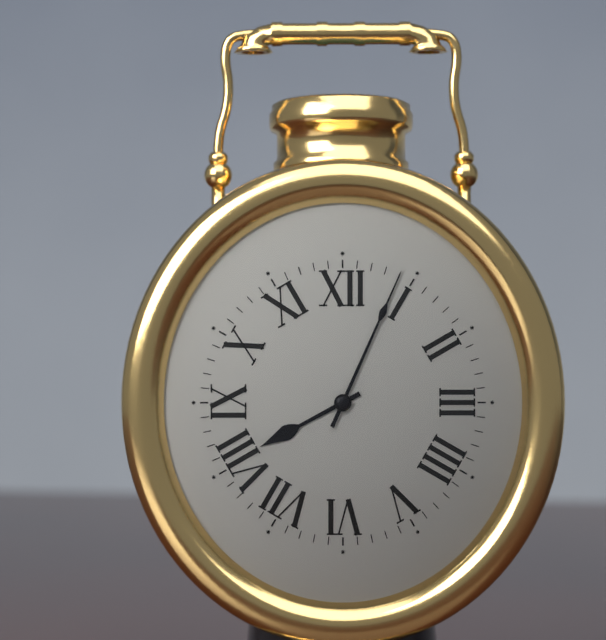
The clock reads **8:04**
